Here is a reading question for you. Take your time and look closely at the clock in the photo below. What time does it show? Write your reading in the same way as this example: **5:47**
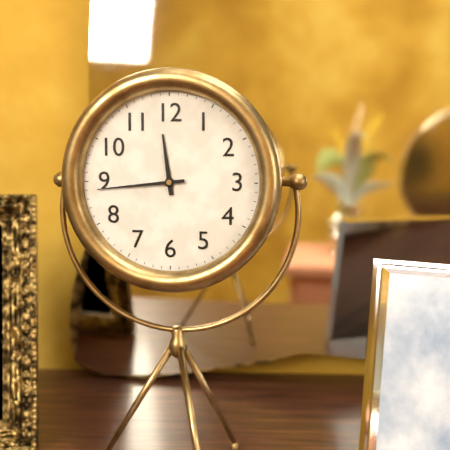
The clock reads **11:44**
